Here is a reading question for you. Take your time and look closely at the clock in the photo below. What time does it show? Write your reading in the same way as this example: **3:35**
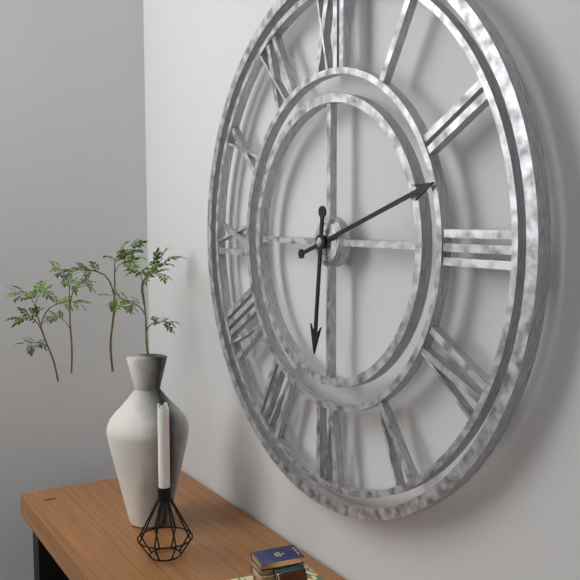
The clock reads **6:12**
